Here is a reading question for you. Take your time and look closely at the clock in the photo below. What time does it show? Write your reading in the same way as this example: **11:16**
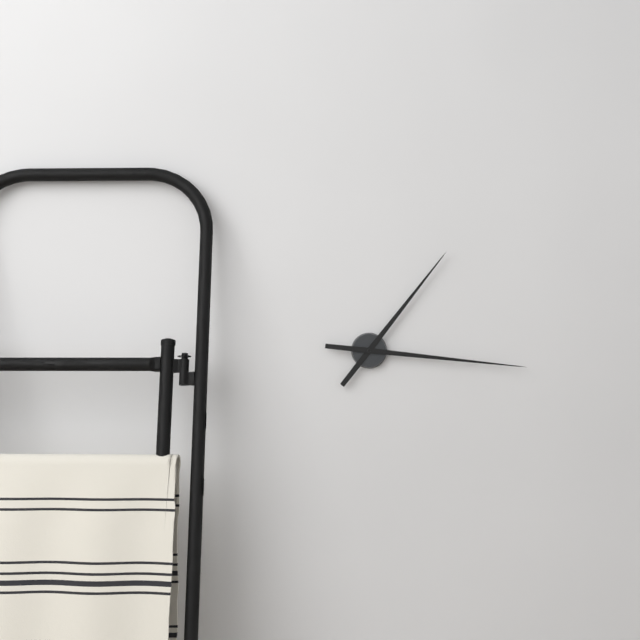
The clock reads **1:16**
